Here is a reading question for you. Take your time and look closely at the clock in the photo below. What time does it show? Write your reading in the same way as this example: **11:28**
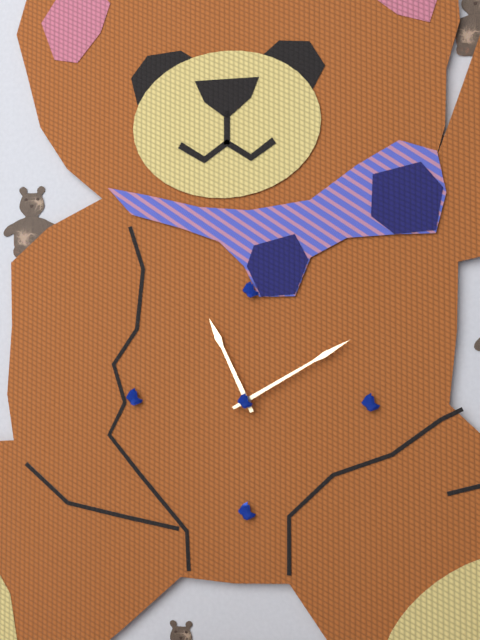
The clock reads **11:10**
